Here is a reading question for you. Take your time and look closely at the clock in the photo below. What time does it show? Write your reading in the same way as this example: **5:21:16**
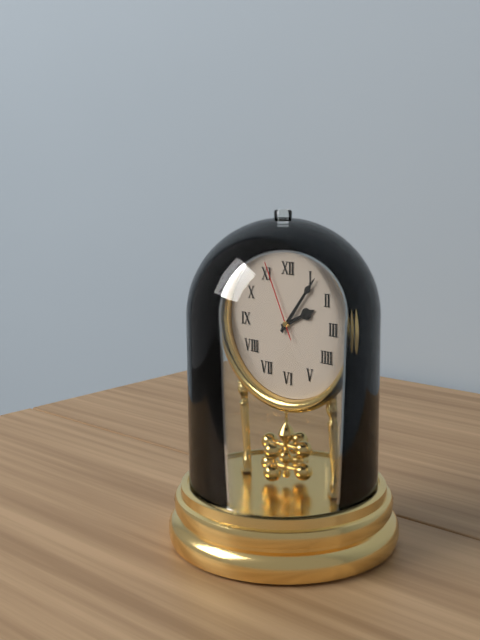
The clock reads **2:06:56**
